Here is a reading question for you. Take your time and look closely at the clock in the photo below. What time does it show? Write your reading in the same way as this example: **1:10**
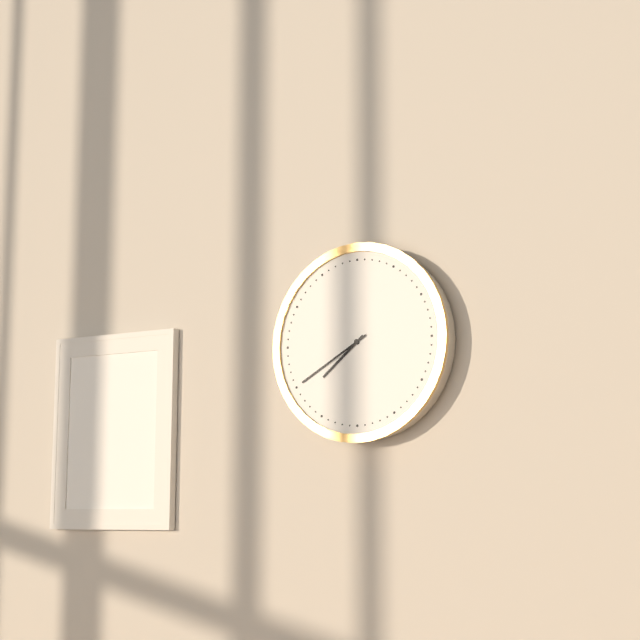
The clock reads **7:40**
